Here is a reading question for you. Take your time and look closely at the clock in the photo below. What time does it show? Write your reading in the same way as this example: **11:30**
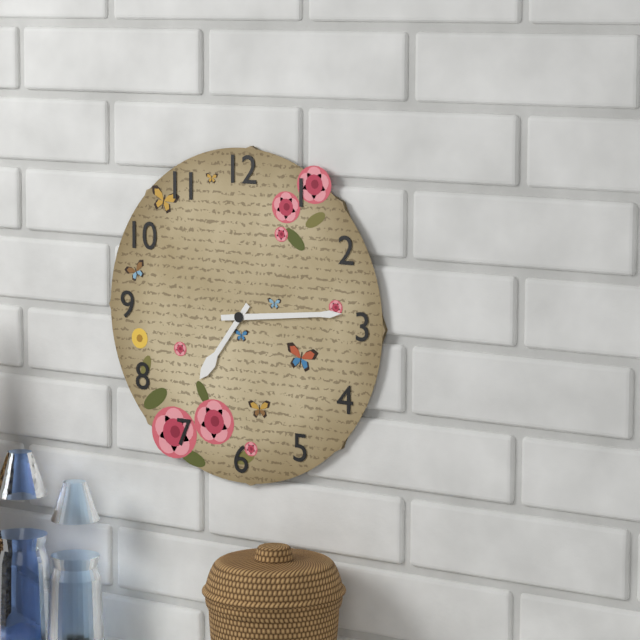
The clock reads **7:14**
